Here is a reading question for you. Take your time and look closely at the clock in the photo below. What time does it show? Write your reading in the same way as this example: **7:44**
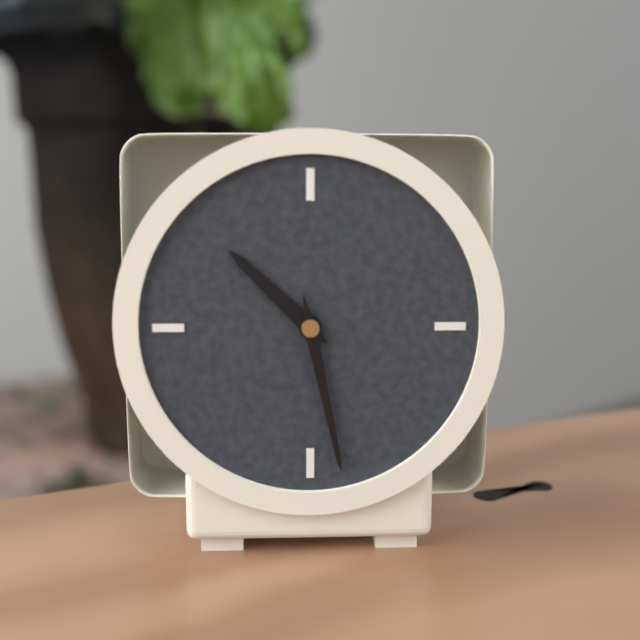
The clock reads **10:28**
